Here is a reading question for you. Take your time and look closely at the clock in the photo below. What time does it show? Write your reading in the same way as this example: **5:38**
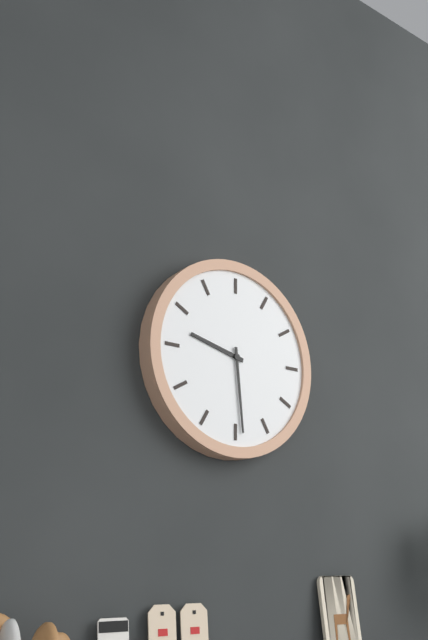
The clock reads **9:29**
